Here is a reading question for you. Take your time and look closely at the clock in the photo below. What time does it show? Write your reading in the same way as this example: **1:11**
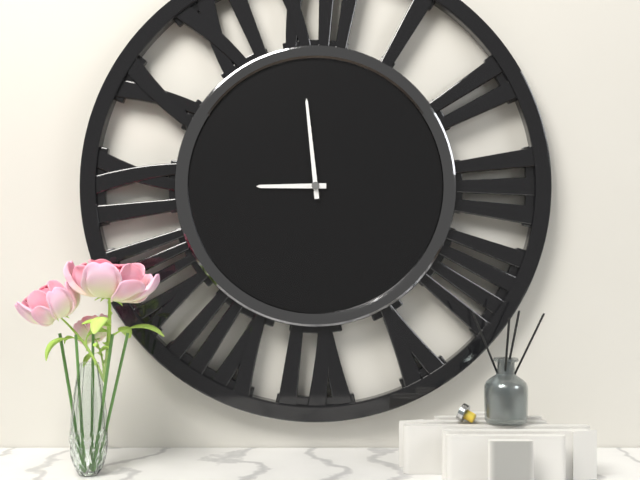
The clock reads **8:59**
